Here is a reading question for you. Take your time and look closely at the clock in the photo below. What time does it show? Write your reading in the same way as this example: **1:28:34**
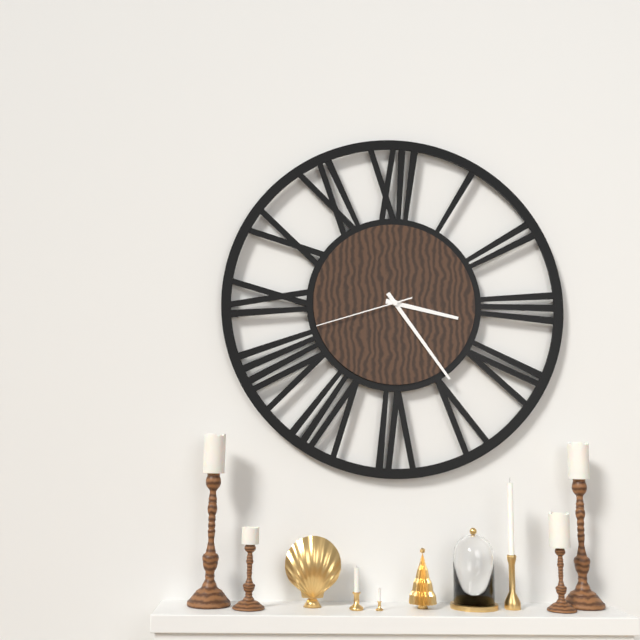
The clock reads **3:24:42**
